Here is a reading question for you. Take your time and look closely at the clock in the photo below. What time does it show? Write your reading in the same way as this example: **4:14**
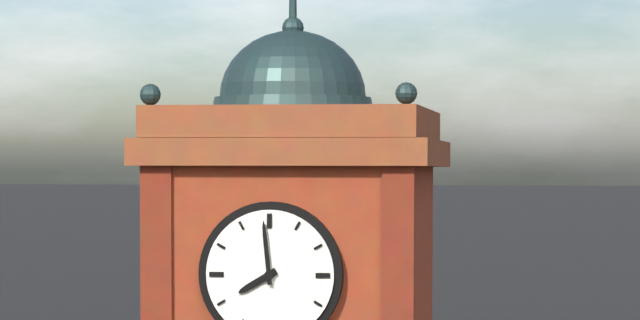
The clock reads **7:59**
